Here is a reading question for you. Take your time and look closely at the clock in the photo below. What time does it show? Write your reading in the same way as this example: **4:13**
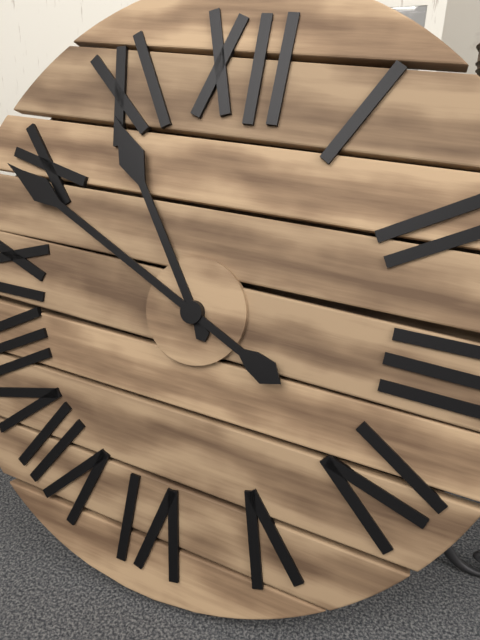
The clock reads **10:49**
